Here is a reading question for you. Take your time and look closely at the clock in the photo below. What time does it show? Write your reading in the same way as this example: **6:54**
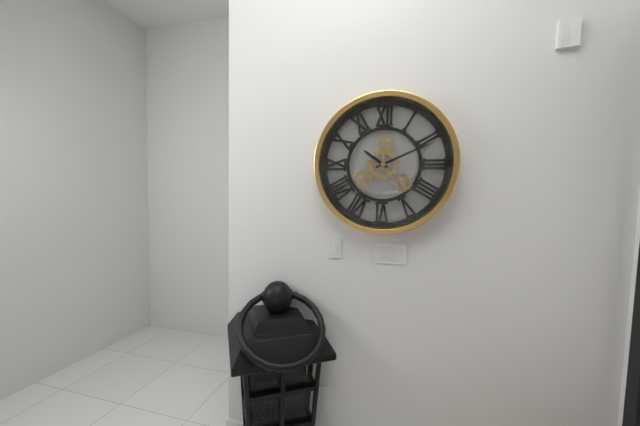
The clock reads **10:11**
